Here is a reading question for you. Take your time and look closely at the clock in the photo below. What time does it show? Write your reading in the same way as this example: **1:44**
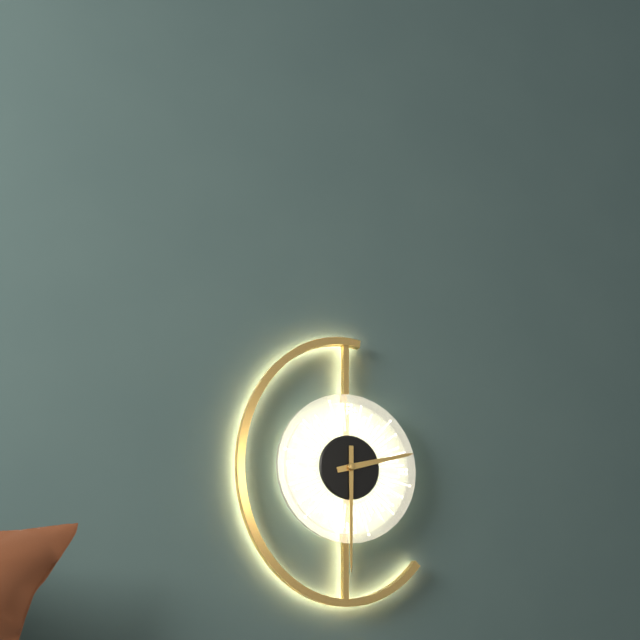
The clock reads **2:30**
